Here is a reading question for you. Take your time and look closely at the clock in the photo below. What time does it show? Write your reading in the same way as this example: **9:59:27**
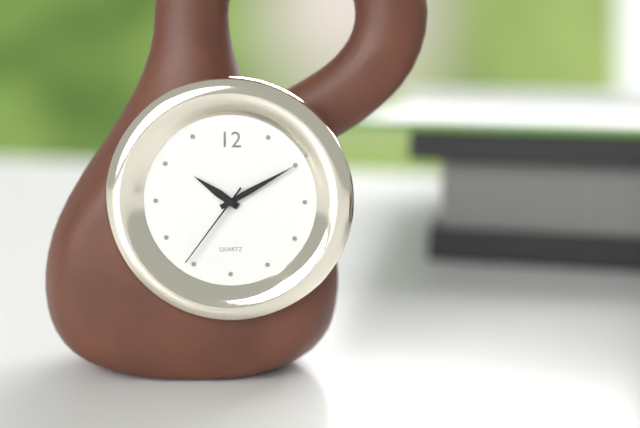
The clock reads **10:10:36**
